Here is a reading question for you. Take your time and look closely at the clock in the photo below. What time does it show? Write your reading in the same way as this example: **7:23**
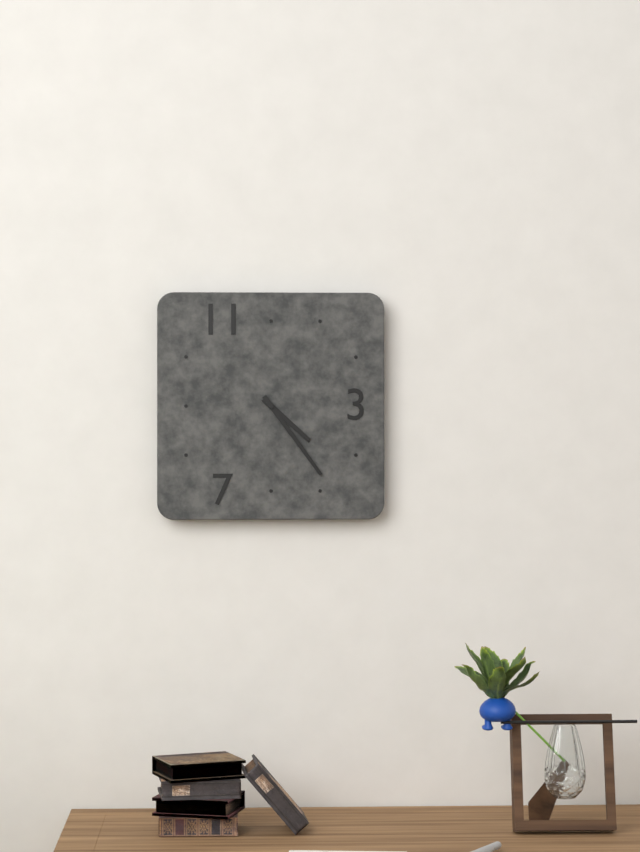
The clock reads **4:24**
